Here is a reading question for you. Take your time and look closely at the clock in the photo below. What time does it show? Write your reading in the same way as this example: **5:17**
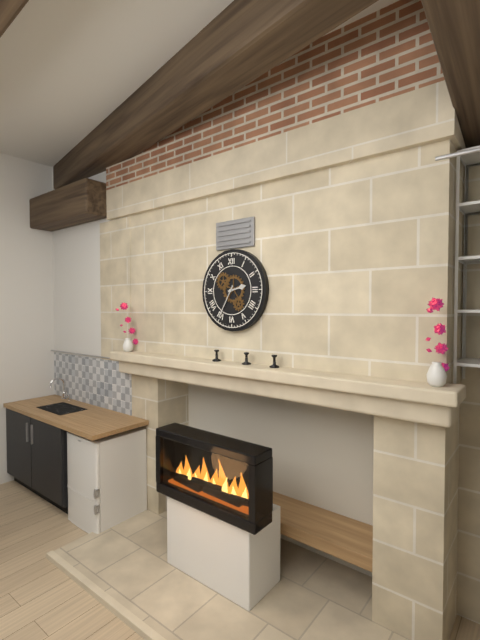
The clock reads **2:35**
